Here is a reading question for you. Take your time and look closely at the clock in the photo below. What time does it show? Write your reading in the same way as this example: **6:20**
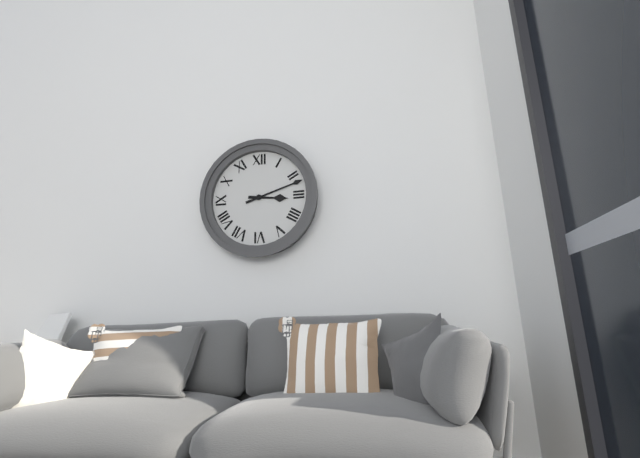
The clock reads **3:12**
